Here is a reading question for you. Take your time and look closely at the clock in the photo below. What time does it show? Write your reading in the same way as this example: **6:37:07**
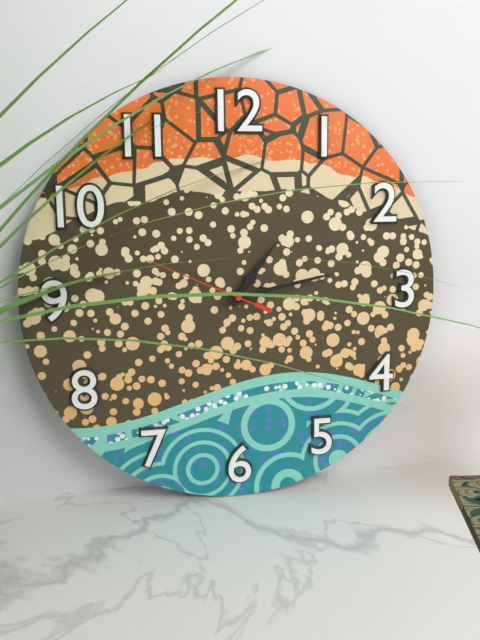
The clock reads **1:13:49**
